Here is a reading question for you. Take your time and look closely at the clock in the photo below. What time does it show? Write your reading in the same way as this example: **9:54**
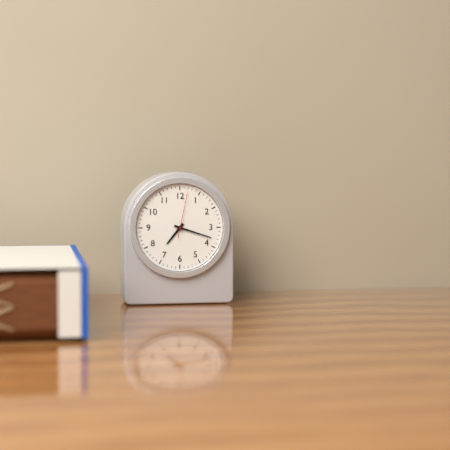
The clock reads **7:18**
